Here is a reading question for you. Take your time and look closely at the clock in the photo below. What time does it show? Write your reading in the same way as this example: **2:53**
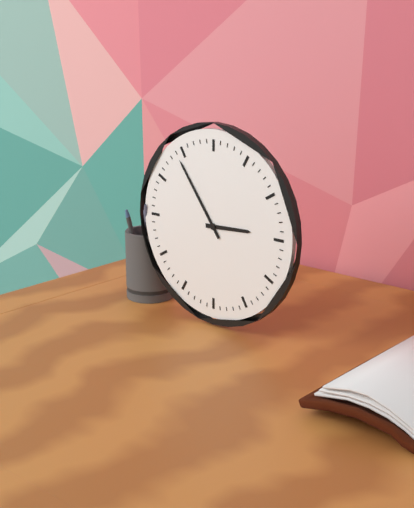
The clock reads **2:54**
